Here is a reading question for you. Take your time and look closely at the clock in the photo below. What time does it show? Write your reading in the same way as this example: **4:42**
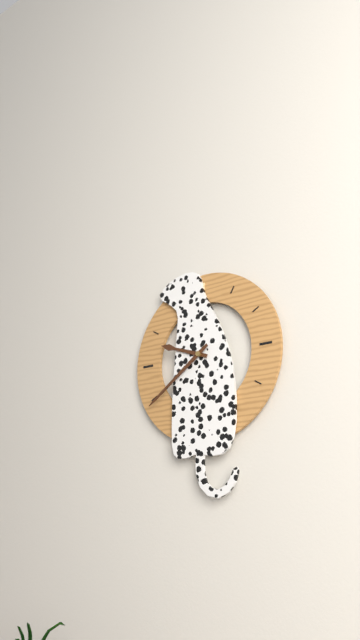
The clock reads **9:39**
